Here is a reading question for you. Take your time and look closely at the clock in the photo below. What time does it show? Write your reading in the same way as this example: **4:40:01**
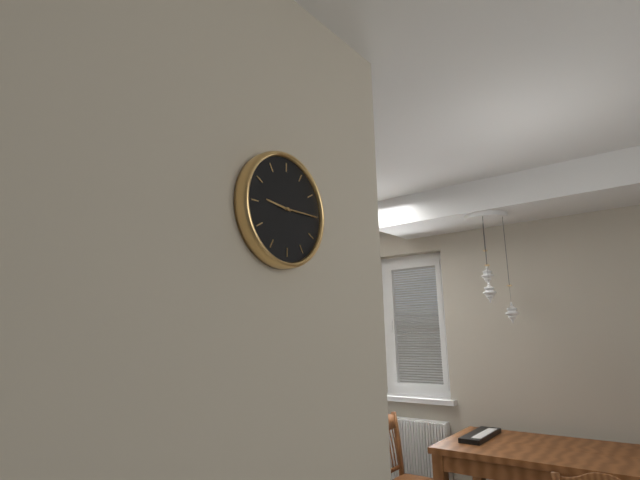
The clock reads **9:15:15**
